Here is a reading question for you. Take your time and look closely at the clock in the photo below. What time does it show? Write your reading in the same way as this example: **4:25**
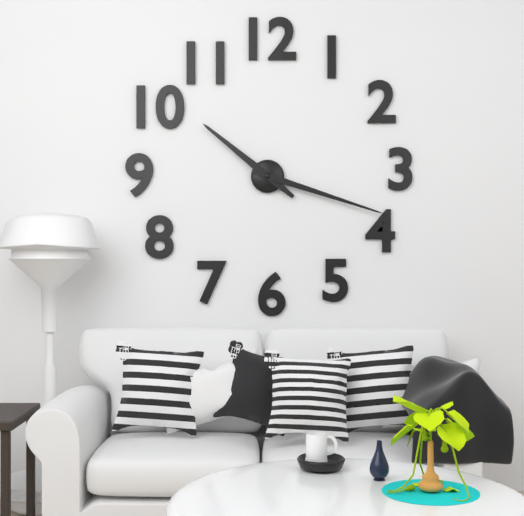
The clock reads **10:18**
